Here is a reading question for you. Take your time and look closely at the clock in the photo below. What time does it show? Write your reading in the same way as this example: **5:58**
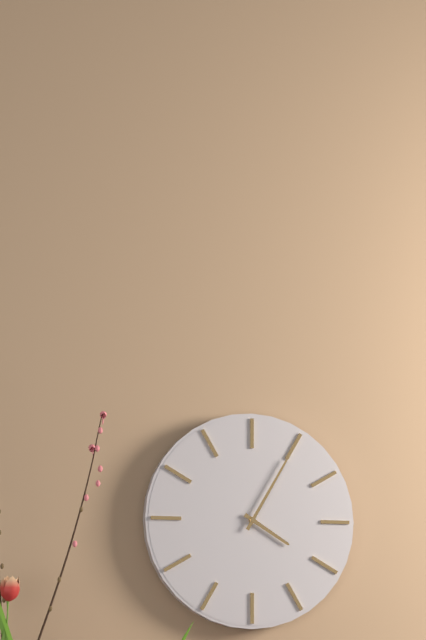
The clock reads **4:05**
